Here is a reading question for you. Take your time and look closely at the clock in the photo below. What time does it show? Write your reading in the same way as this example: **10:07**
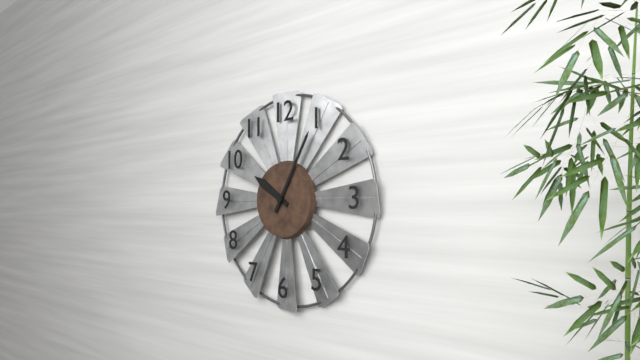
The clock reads **10:05**
